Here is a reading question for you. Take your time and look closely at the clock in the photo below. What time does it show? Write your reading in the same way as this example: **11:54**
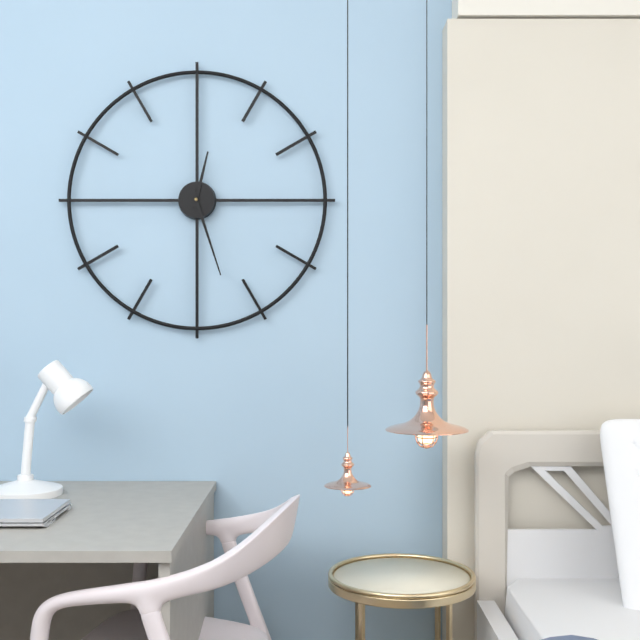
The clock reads **12:27**
